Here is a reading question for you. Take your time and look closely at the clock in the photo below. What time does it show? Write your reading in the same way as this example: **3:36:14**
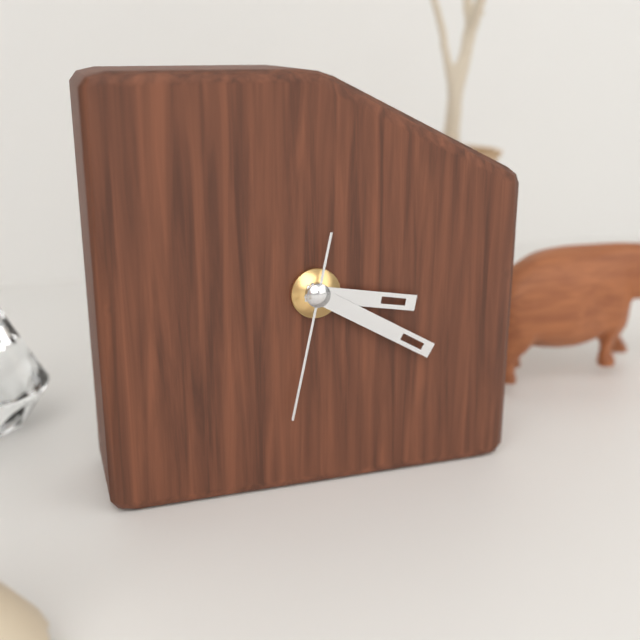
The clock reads **3:20:32**
